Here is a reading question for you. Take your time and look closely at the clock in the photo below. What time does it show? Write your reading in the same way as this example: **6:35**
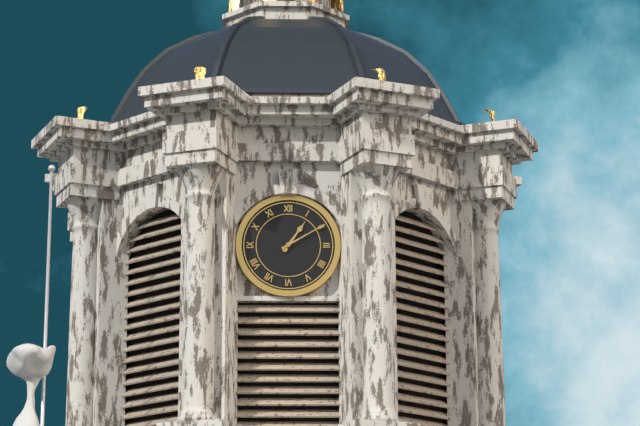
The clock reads **1:10**
